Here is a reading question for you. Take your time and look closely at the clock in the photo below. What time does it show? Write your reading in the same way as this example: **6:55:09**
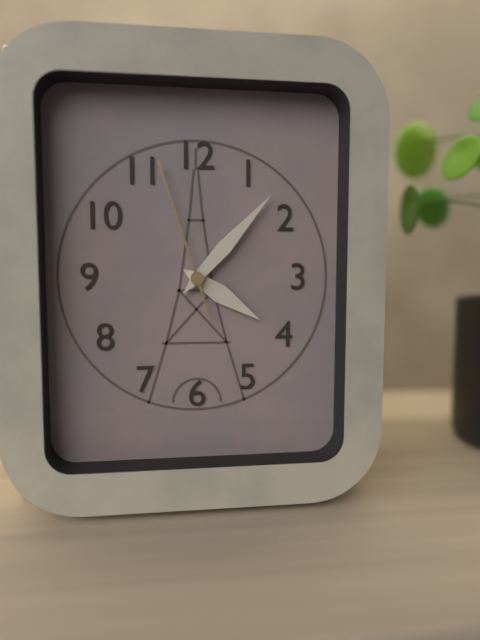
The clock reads **4:07:57**
